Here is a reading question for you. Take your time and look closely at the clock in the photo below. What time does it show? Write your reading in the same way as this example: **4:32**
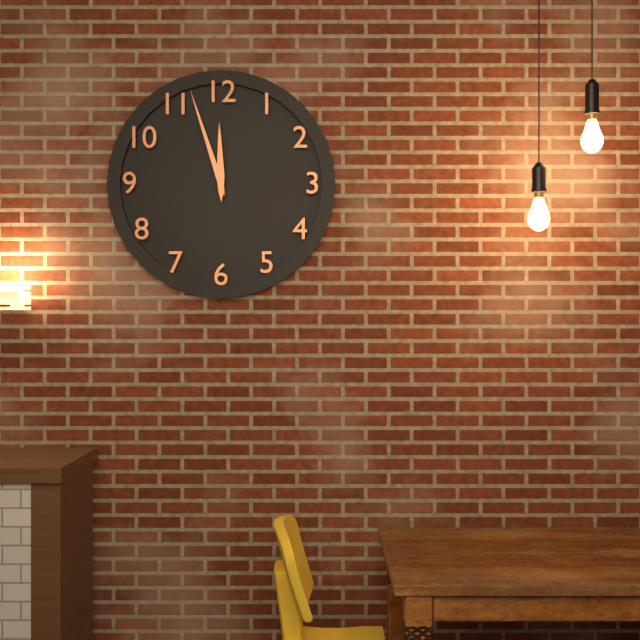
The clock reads **11:57**
